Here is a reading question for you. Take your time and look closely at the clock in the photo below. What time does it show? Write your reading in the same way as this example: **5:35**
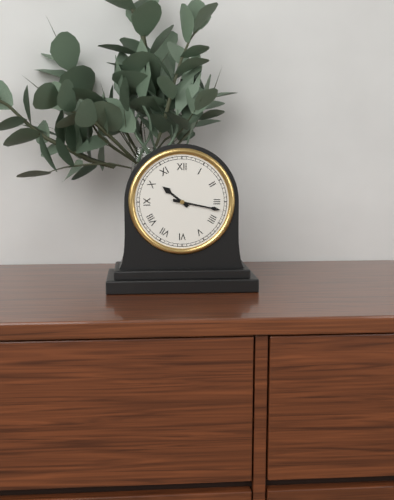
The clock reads **10:17**
